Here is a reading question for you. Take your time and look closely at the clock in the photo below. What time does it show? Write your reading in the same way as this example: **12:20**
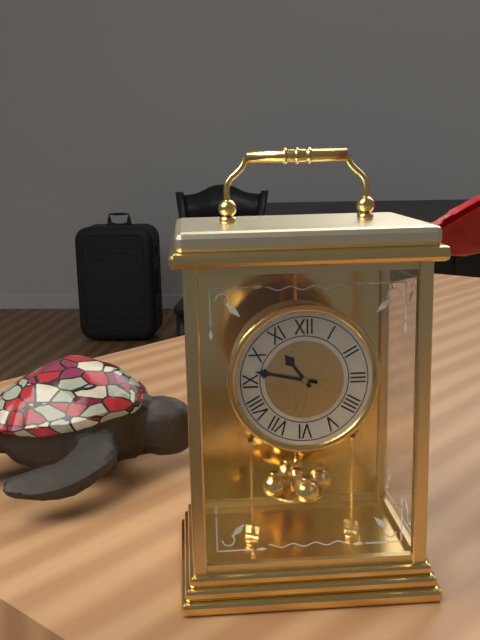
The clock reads **10:47**
